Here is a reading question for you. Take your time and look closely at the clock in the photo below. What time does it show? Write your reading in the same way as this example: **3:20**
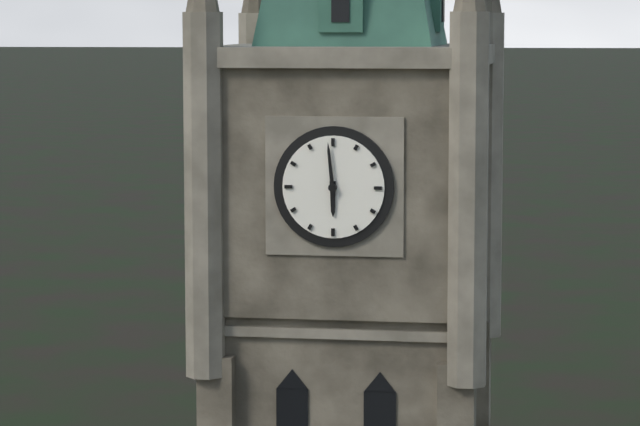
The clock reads **5:59**
